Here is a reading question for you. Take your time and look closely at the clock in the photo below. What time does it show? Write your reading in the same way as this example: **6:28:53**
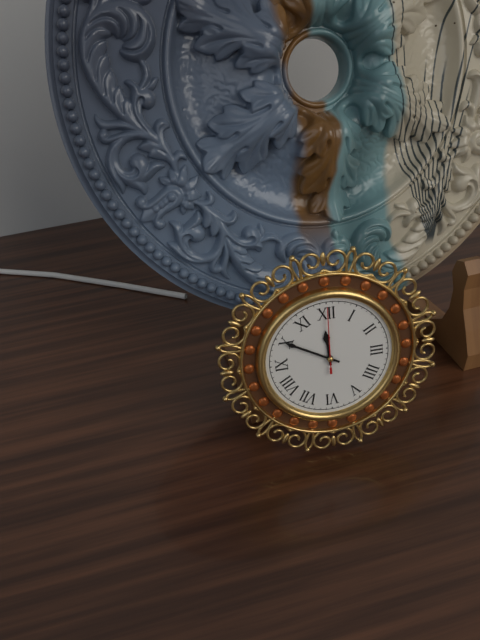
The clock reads **11:50:00**
